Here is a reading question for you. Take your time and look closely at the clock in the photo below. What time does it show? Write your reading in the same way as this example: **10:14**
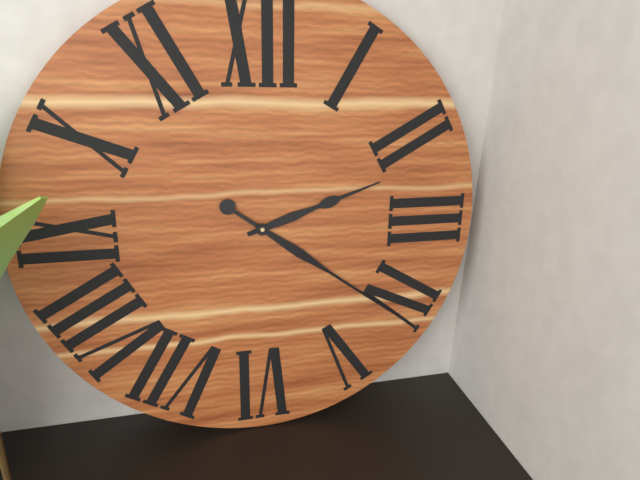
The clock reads **2:21**
